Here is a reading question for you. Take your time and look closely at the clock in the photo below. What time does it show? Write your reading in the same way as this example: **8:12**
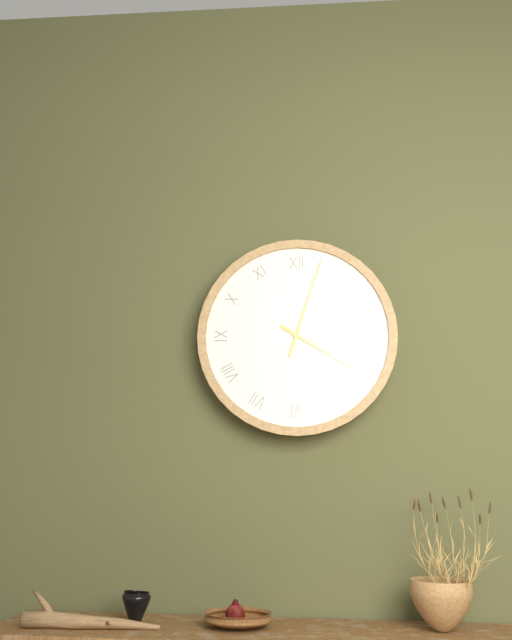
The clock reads **4:03**
